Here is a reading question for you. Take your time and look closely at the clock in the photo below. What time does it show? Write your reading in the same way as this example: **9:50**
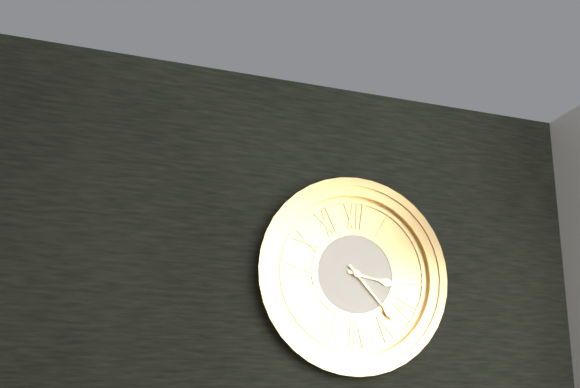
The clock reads **3:23**
